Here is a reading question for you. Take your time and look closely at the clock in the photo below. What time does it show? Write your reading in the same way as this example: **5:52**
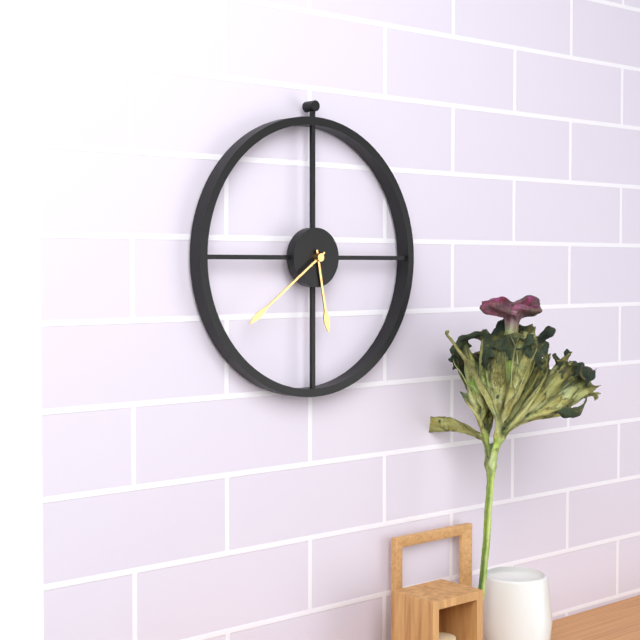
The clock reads **5:39**
